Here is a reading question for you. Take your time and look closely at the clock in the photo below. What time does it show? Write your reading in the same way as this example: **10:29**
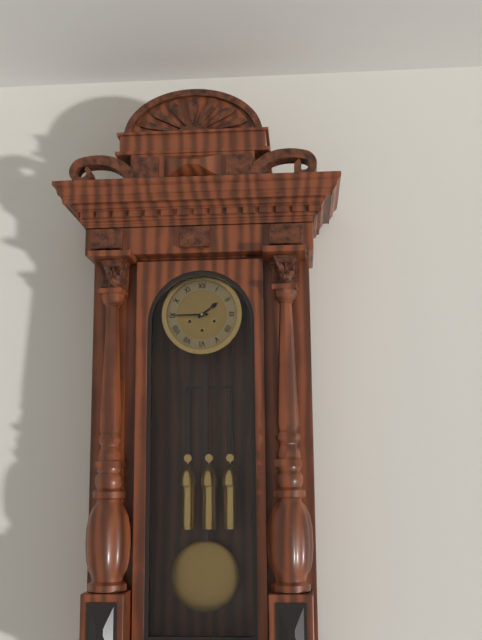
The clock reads **1:45**
